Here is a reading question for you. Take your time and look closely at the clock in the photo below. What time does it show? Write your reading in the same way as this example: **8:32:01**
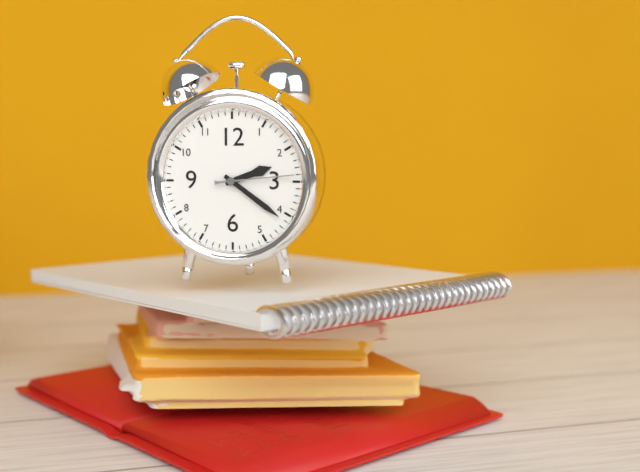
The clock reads **2:21:14**
